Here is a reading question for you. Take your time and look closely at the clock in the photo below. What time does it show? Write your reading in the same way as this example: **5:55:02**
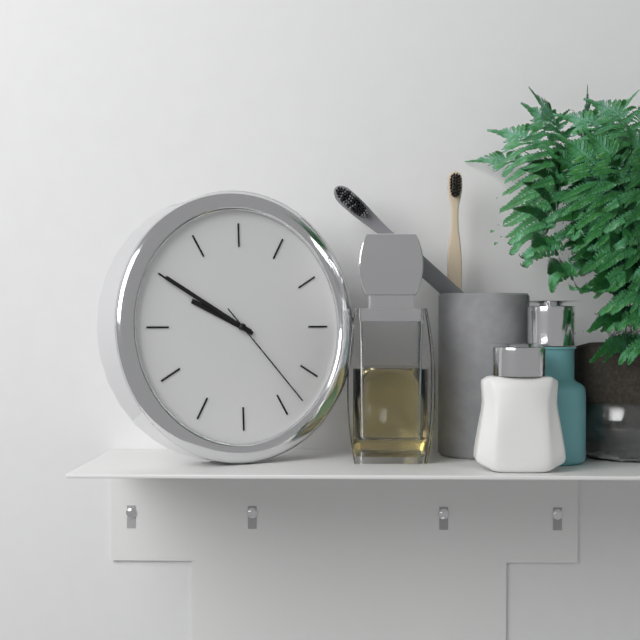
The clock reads **9:50:23**
